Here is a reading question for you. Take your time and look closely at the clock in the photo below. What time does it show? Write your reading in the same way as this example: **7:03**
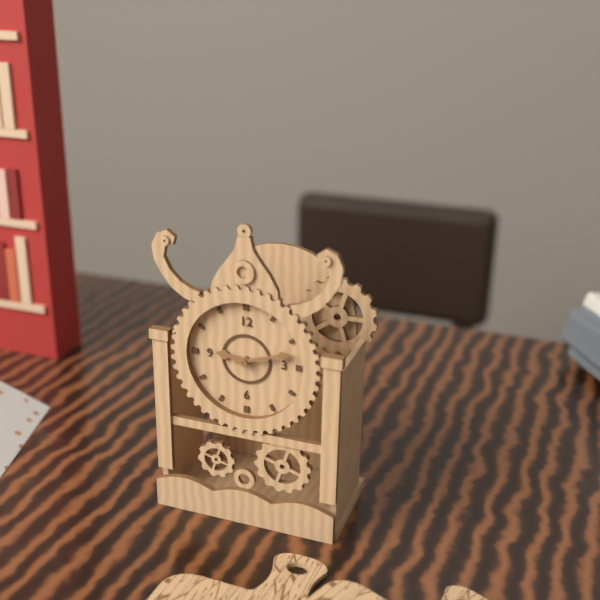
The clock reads **9:12**
